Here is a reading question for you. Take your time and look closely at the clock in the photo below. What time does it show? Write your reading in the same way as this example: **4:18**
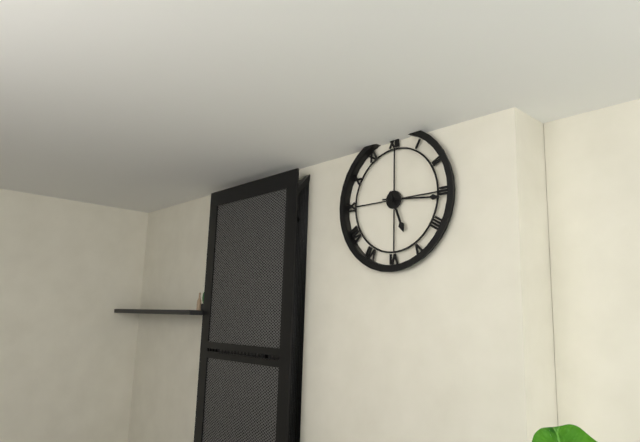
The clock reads **5:16**
